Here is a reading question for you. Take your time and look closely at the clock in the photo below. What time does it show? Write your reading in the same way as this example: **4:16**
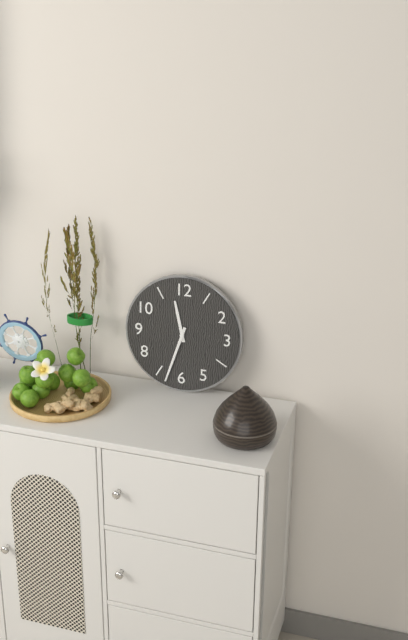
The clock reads **11:33**
